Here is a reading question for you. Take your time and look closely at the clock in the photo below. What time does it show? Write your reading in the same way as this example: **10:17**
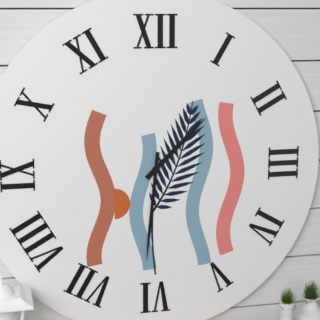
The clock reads **1:31**
